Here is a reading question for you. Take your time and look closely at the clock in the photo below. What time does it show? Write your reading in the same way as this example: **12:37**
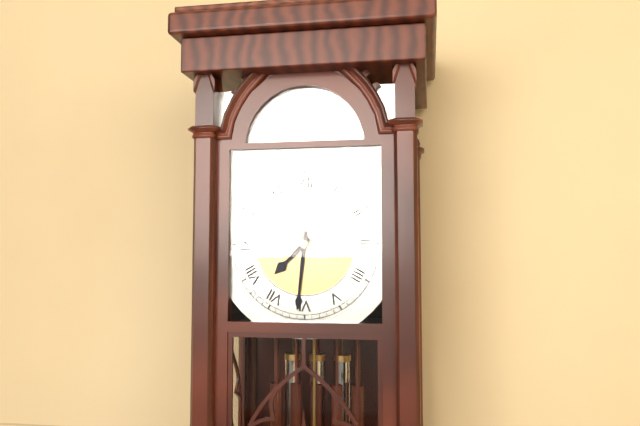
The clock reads **7:31**
